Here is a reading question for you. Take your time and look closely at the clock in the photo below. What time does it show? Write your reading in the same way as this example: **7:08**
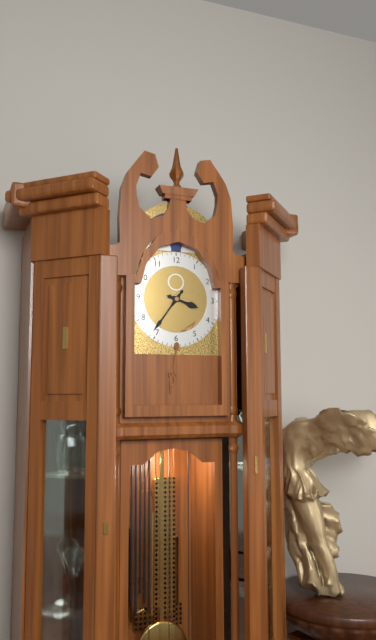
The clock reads **3:36**
